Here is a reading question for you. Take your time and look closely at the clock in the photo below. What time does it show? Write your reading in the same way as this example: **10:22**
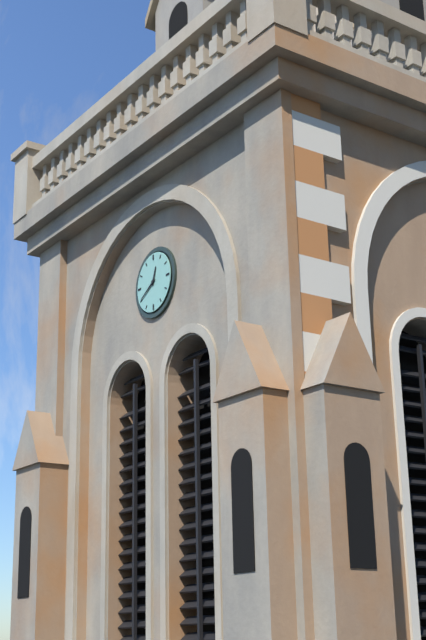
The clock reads **12:40**
